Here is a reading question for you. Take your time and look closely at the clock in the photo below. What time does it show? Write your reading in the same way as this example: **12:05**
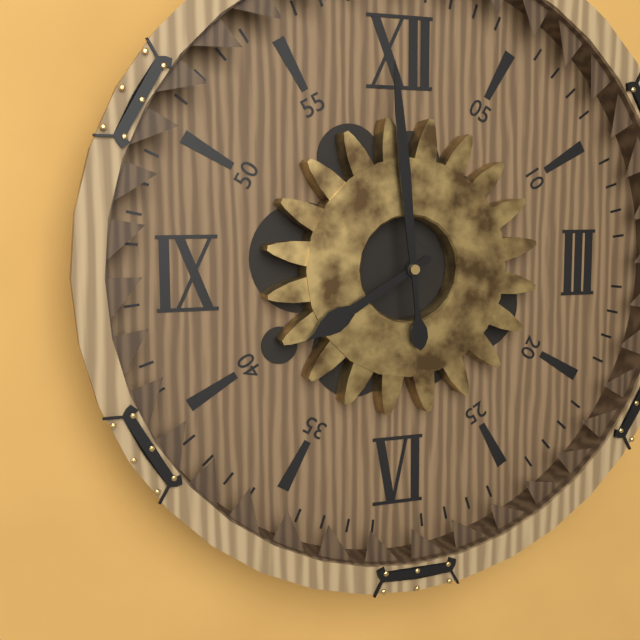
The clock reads **7:59**
